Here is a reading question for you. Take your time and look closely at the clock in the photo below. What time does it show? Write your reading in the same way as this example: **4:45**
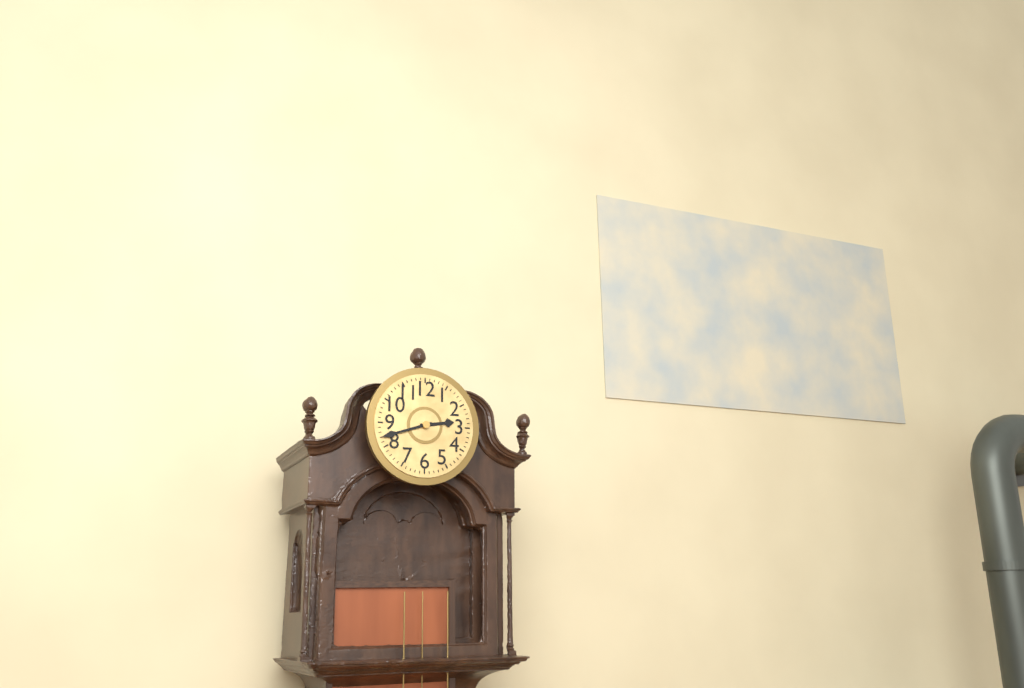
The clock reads **2:42**
